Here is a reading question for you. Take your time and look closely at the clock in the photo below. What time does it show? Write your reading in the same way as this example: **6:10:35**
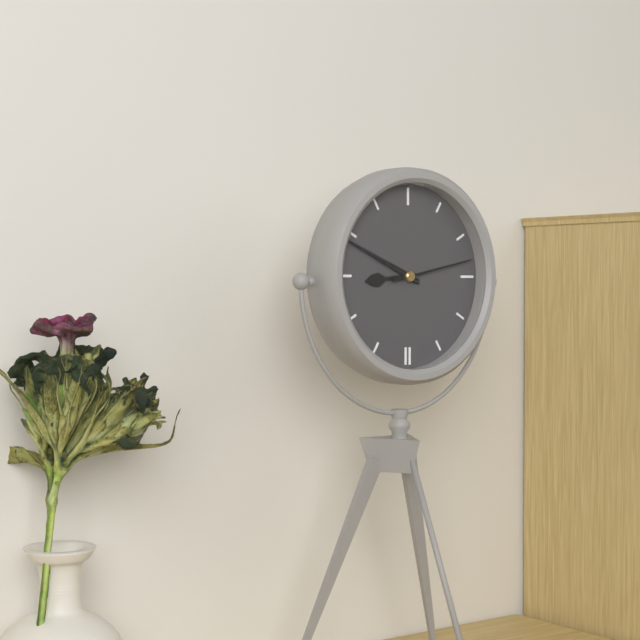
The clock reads **8:49:13**
